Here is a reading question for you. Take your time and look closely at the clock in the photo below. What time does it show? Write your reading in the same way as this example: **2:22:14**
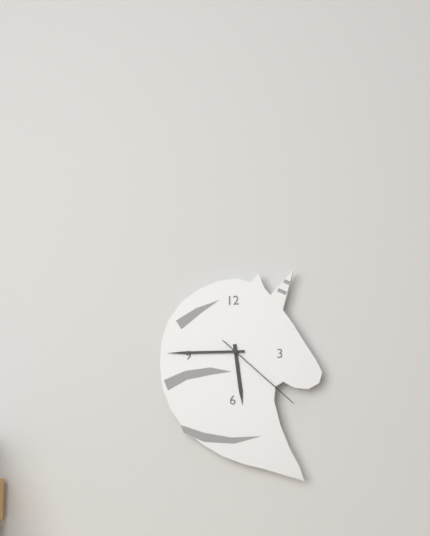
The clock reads **5:45:22**
